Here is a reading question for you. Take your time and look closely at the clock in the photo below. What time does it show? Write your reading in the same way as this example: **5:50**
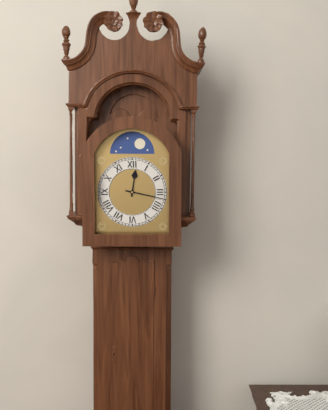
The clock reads **12:17**
